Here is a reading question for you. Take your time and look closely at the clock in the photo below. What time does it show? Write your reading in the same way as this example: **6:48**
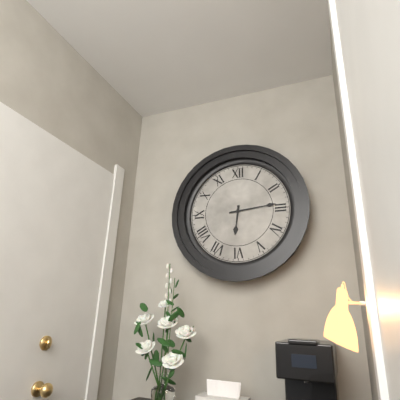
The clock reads **6:14**
